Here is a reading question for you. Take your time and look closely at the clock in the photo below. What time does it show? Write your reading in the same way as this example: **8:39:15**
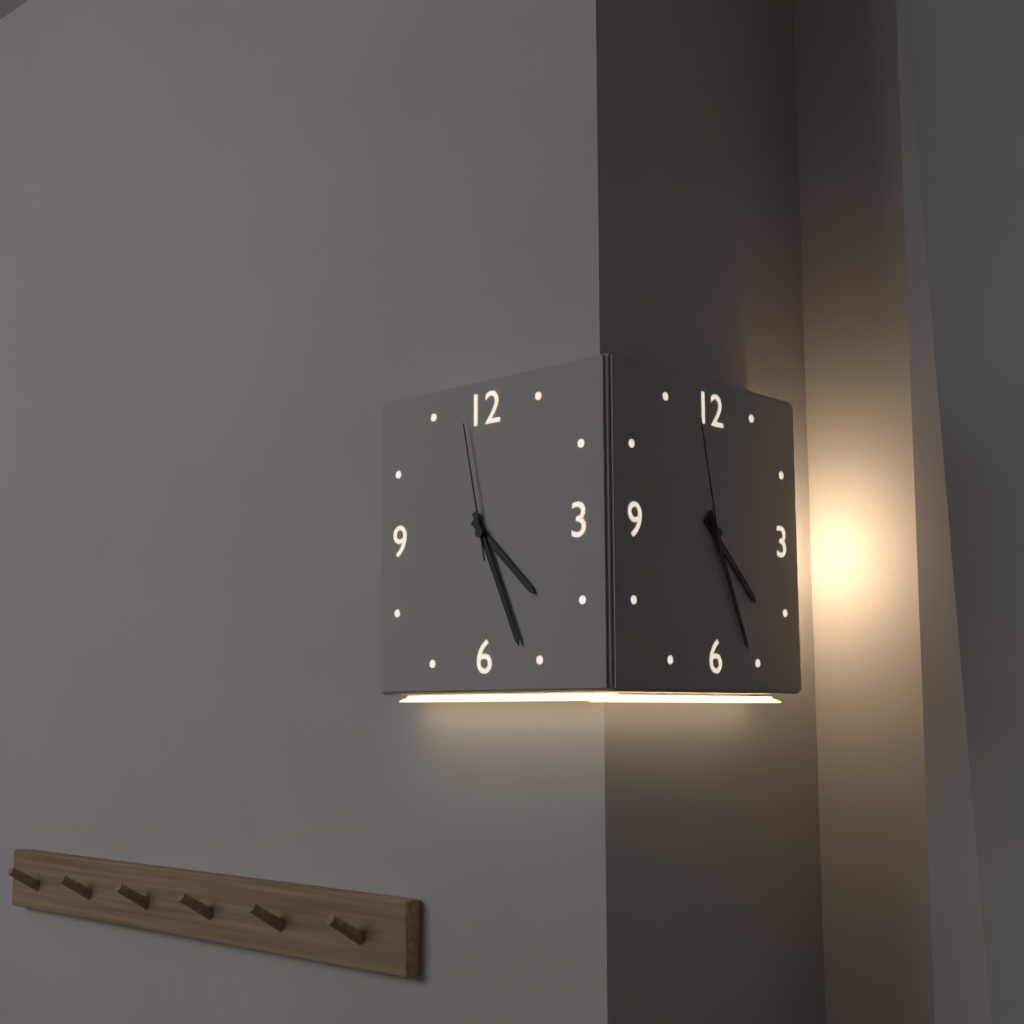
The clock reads **4:26:58**
